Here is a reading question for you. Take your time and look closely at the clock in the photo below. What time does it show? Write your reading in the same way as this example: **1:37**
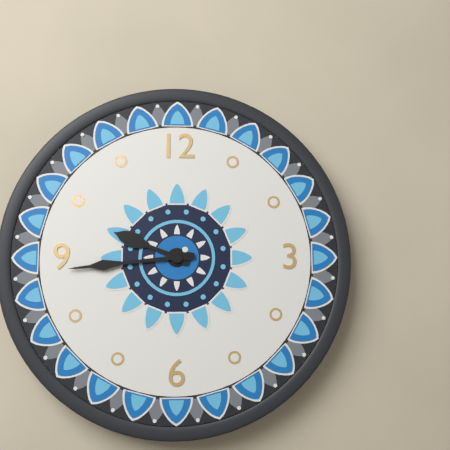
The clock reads **9:44**
